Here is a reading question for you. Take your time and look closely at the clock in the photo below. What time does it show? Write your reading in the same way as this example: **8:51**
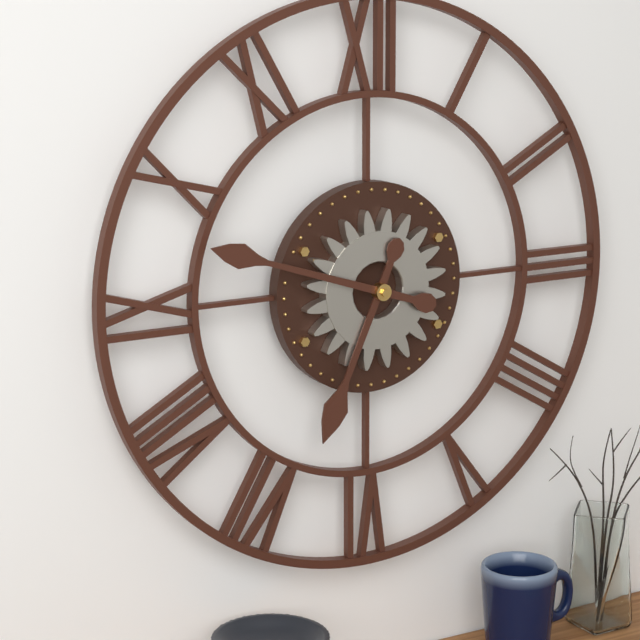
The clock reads **6:48**
